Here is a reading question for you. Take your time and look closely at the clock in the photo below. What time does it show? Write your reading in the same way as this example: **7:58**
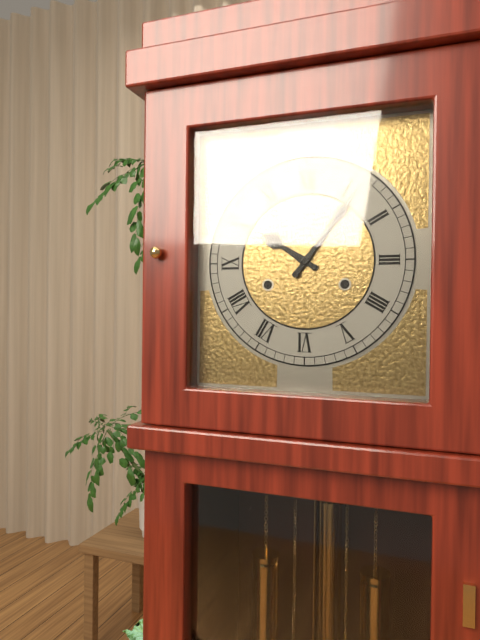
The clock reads **10:06**
